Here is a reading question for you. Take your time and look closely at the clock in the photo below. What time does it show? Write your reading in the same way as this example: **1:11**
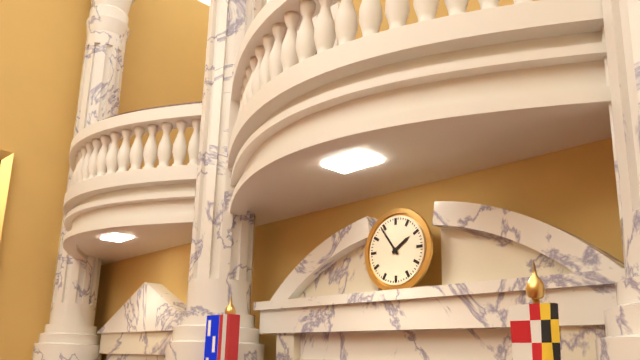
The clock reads **1:54**
